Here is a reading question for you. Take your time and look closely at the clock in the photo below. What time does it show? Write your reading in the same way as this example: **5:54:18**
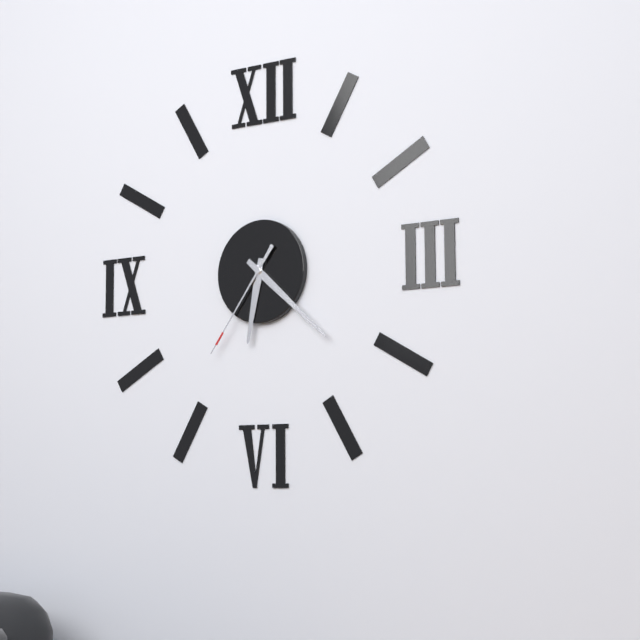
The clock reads **6:22:36**
